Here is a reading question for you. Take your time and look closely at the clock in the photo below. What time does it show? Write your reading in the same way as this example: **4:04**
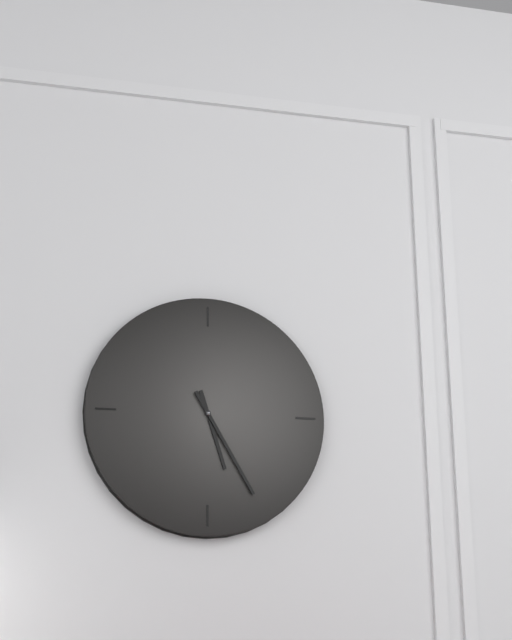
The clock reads **5:25**
